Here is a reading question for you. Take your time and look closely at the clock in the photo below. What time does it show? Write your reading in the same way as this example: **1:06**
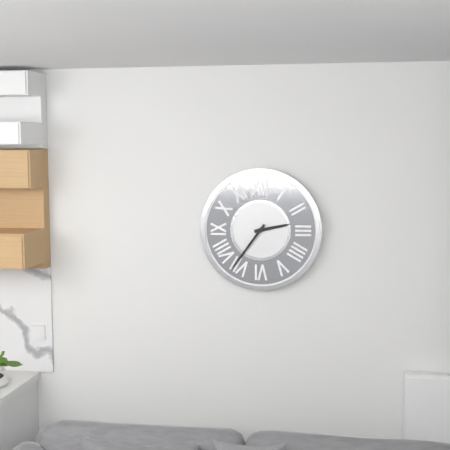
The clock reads **2:36**
